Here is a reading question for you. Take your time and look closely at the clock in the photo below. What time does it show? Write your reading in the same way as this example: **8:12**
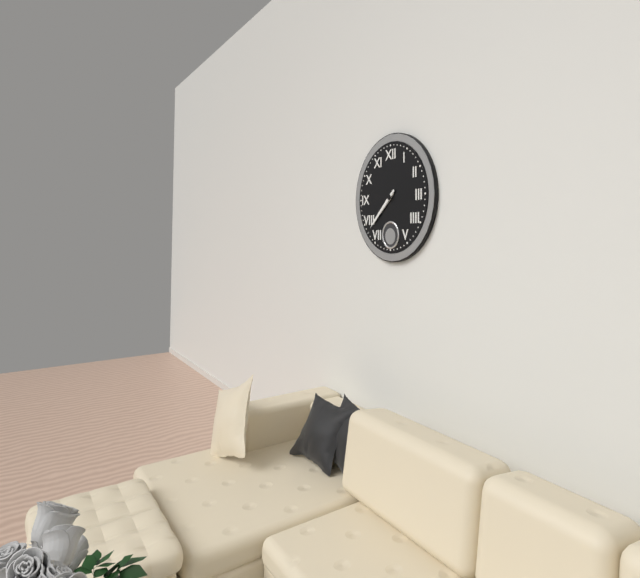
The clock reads **7:38**
